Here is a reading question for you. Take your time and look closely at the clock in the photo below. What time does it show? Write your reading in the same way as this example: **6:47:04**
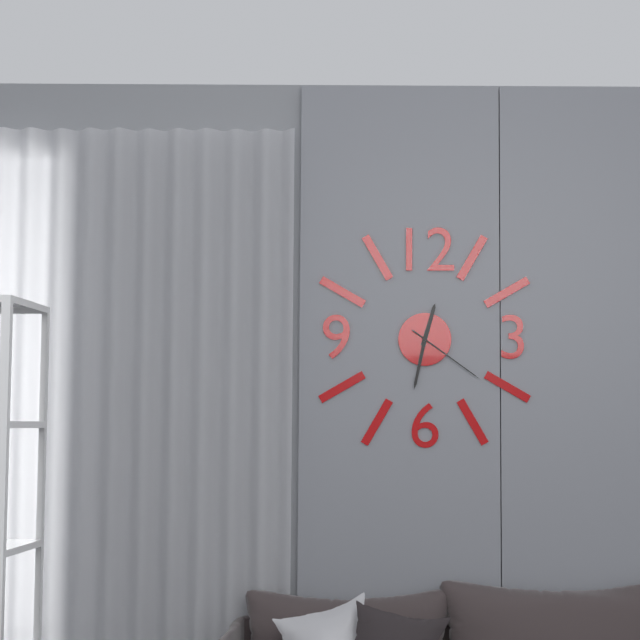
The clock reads **12:32:21**
